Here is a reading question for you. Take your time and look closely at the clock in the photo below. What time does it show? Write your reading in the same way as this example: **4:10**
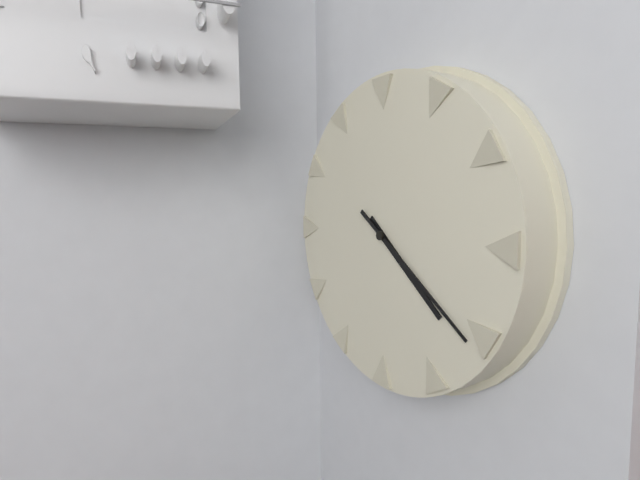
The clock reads **4:21**
